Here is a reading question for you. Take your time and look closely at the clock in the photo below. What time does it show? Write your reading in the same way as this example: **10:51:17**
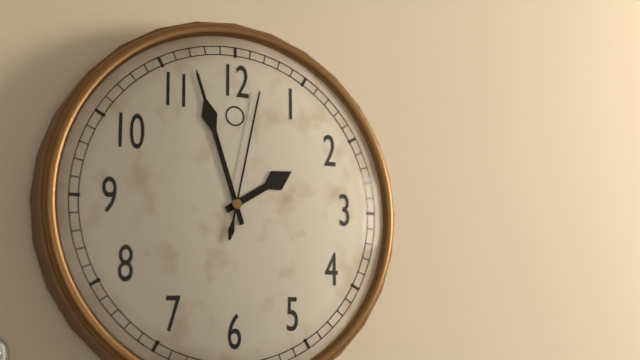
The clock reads **1:57:02**
